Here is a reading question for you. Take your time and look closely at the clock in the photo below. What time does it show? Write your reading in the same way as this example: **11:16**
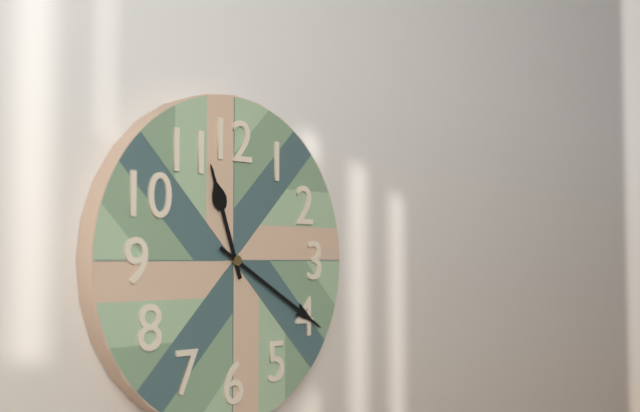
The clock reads **11:20**
